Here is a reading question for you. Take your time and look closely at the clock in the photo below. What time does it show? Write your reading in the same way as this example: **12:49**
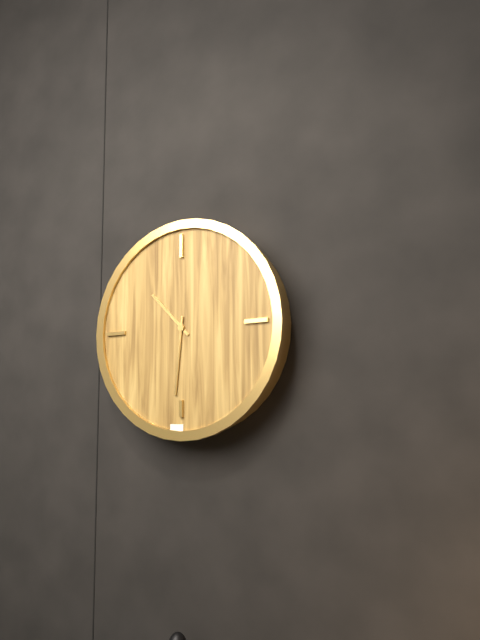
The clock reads **10:31**
